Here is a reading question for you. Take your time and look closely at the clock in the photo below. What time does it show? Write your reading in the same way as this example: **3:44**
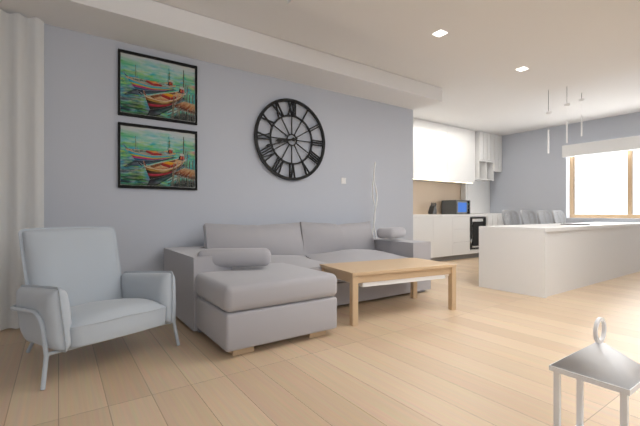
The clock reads **8:42**
